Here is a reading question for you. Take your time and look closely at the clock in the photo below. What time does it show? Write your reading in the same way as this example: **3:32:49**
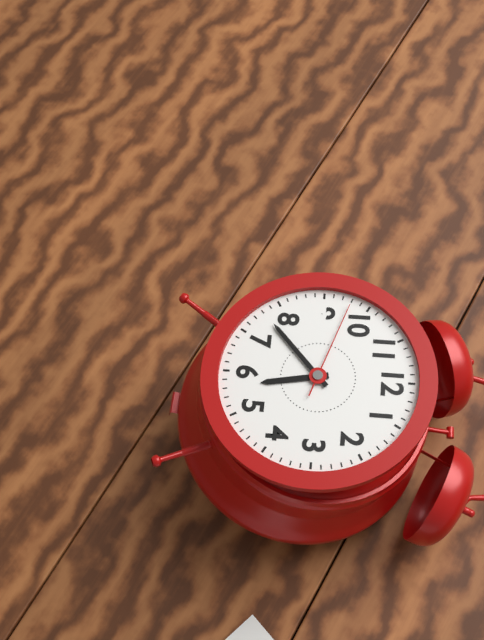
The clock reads **5:38:48**
